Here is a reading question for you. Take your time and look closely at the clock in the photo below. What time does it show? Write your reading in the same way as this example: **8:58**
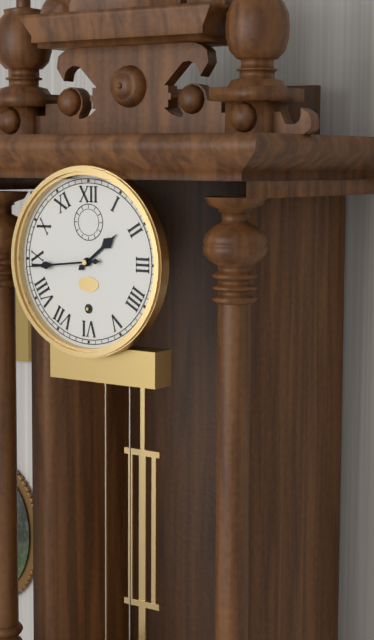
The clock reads **1:44**
